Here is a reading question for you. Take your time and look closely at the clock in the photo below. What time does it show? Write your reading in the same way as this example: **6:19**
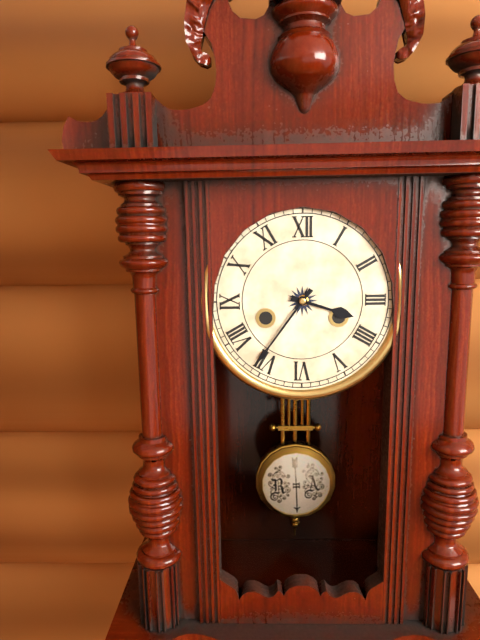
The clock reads **3:36**
